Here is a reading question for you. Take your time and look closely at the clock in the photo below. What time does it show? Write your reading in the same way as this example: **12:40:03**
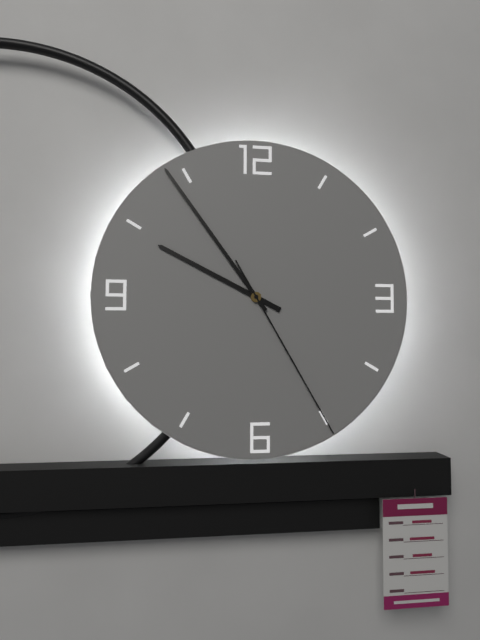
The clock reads **9:54:25**
